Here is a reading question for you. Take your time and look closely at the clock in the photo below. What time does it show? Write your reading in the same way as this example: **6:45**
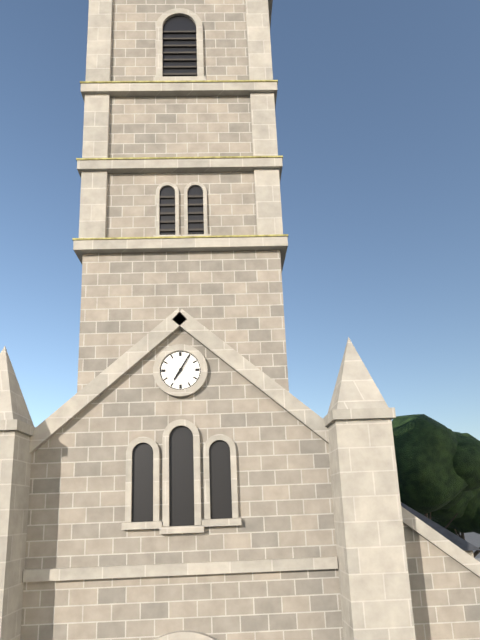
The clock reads **7:05**
